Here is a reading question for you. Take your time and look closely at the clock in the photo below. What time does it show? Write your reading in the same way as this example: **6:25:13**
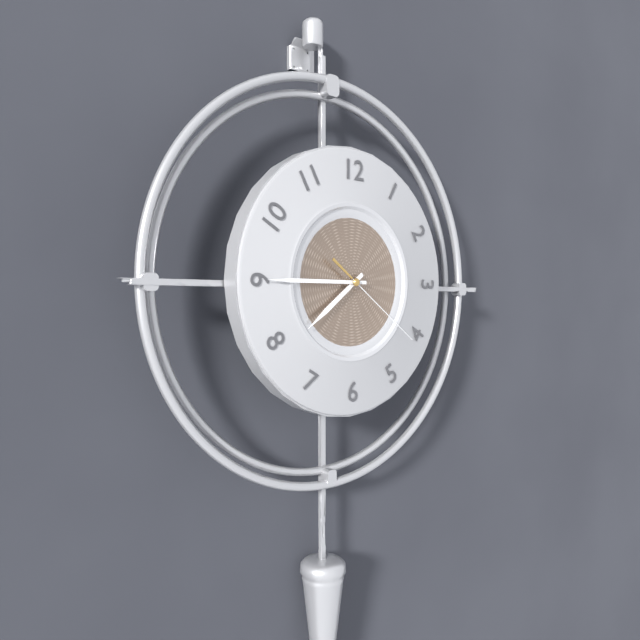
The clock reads **7:45:21**
